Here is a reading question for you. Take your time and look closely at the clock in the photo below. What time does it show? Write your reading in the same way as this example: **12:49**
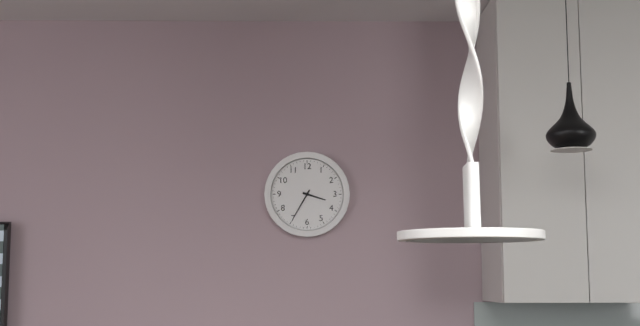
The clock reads **3:35**
